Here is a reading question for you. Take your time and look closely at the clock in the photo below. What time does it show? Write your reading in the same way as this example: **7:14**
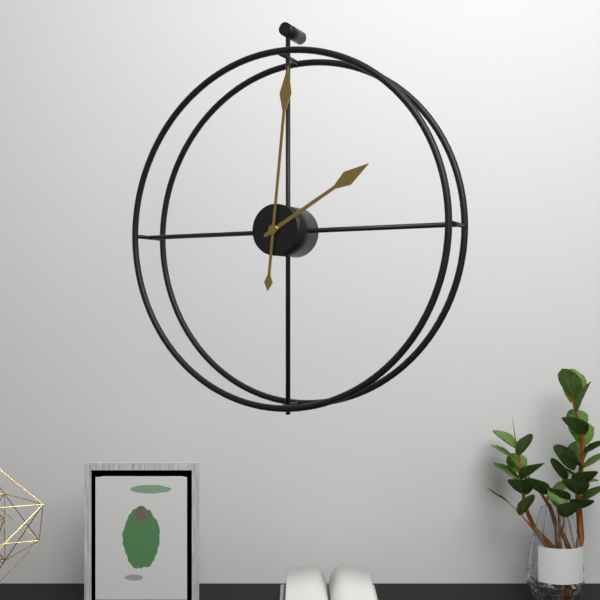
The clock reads **2:01**
